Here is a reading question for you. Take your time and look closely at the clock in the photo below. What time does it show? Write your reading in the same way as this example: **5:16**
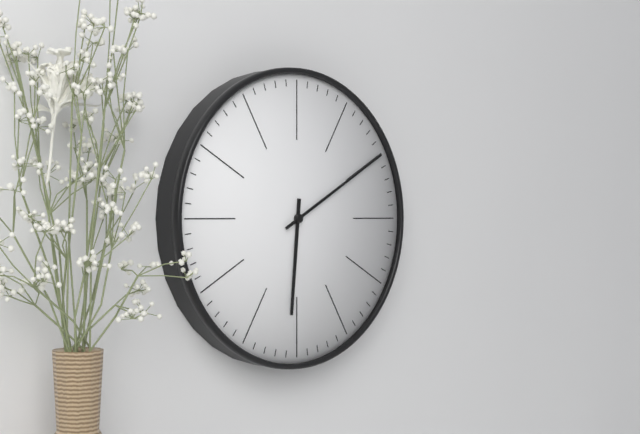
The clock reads **6:10**
